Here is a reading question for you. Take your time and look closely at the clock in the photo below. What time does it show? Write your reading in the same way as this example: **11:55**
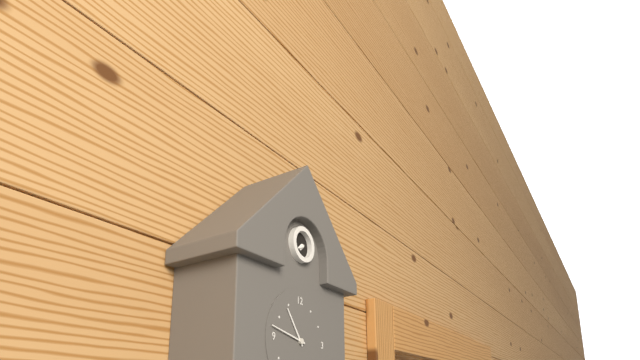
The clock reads **10:47**
